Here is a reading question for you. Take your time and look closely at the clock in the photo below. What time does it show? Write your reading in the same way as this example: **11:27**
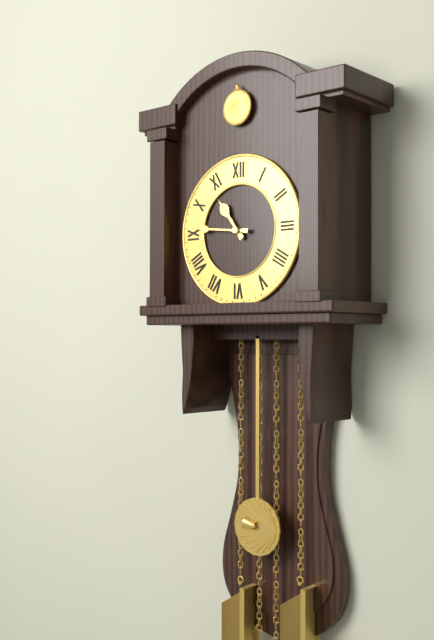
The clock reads **10:46**
